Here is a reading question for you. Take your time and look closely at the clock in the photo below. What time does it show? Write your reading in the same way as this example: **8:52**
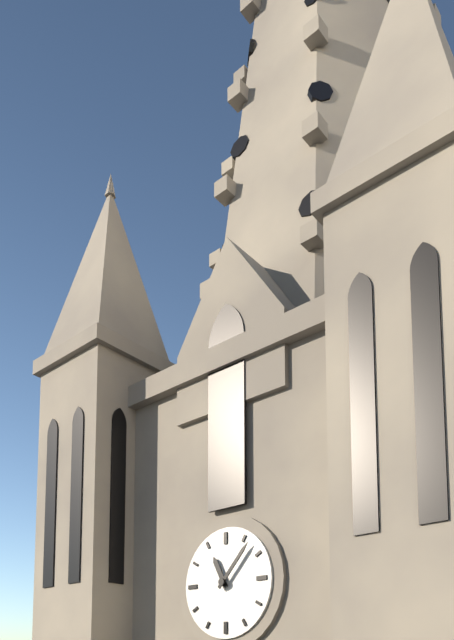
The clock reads **11:07**
